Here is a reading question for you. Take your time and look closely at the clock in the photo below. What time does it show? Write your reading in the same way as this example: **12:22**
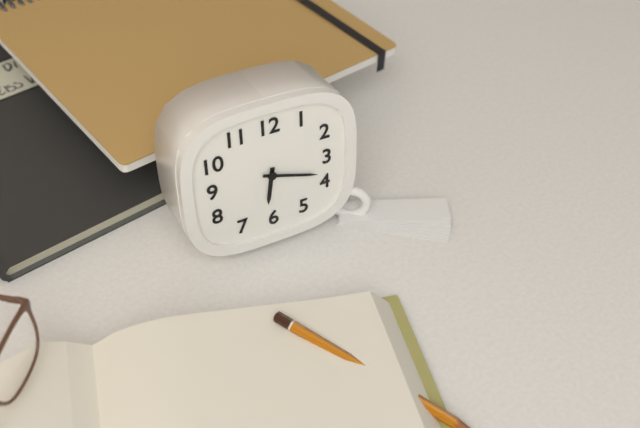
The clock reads **6:18**
